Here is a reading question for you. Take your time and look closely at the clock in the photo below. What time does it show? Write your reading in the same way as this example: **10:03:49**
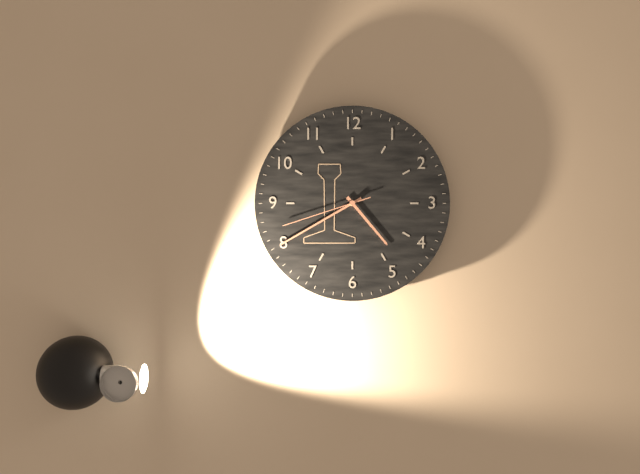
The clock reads **4:40:42**
